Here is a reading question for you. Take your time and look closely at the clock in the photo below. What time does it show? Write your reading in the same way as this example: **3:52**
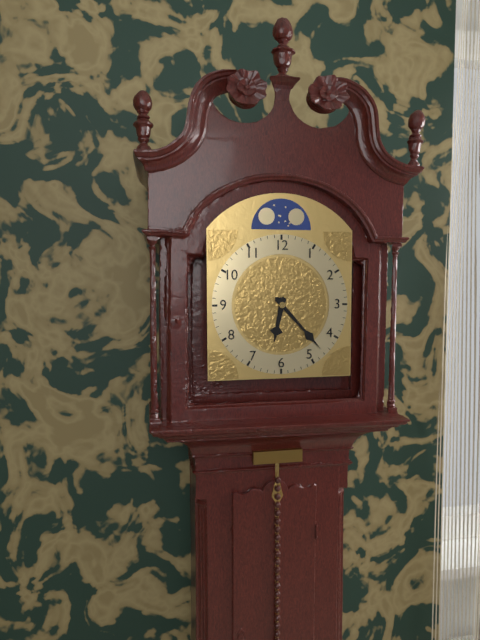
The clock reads **6:23**
